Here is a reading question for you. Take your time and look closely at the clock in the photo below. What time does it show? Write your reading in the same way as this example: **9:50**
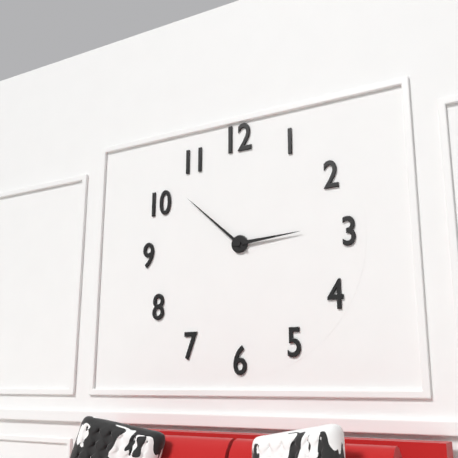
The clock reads **2:52**
